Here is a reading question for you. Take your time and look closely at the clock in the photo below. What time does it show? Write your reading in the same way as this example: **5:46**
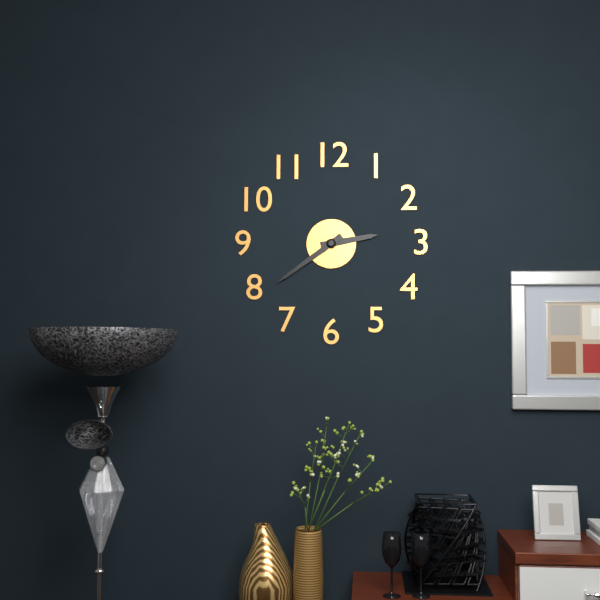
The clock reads **2:39**
